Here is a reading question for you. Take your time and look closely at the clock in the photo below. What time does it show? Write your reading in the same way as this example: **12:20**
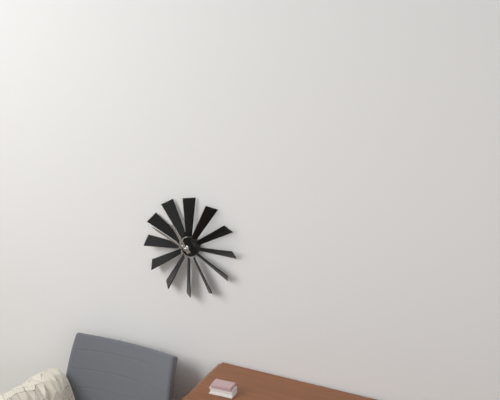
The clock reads **10:49**
